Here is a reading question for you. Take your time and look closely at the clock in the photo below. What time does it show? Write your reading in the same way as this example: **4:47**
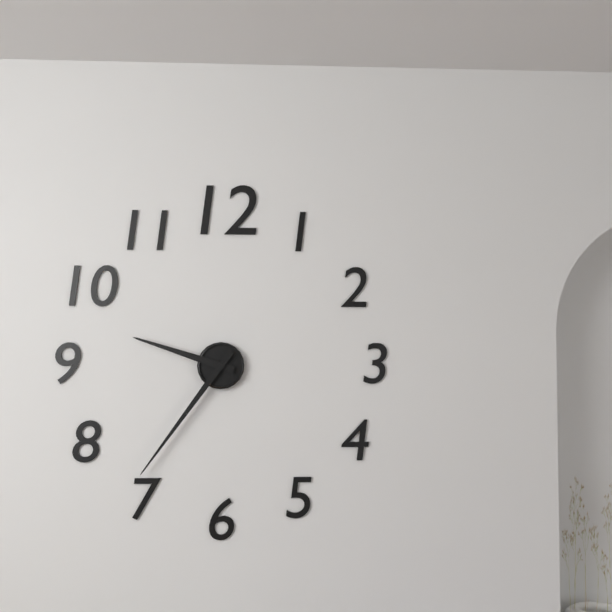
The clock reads **9:36**
